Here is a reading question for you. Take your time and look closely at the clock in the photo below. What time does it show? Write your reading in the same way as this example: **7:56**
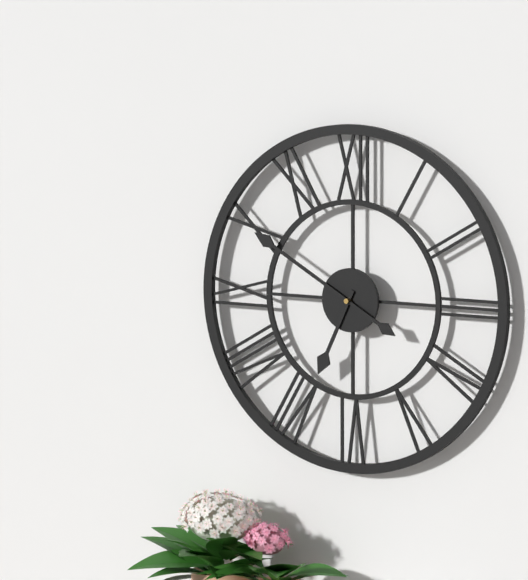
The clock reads **6:50**
